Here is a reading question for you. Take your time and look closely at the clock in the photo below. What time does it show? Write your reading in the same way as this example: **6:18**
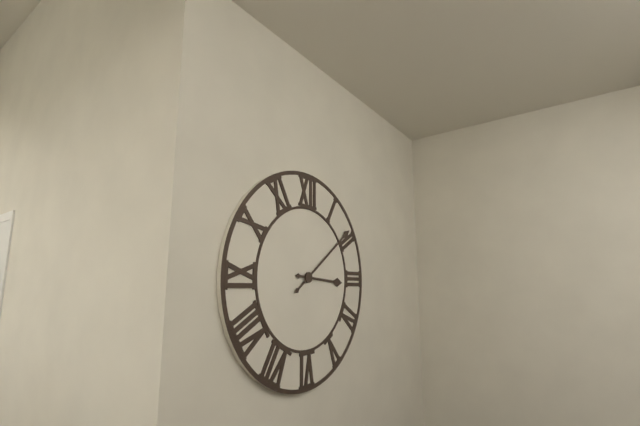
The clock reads **3:09**
